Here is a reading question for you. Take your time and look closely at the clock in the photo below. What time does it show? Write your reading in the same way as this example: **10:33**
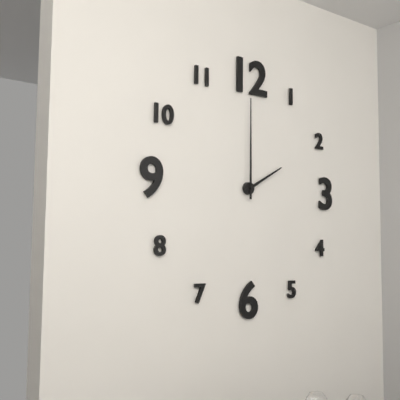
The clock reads **2:00**
